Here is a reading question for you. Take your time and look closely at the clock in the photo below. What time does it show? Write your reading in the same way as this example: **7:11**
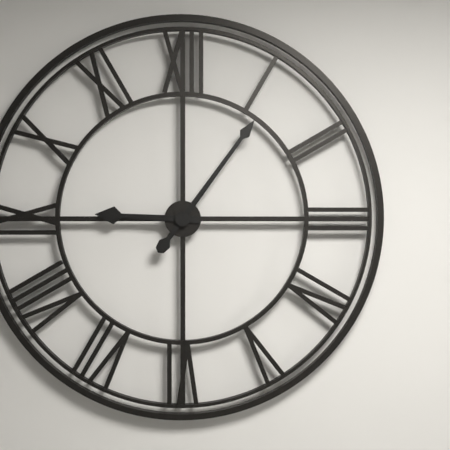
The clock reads **9:06**
